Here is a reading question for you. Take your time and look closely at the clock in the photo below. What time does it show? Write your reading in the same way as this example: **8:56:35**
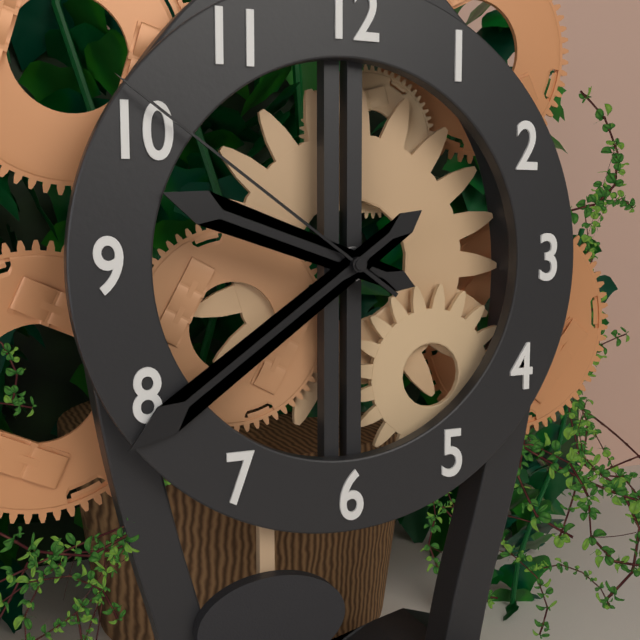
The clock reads **9:39:51**
